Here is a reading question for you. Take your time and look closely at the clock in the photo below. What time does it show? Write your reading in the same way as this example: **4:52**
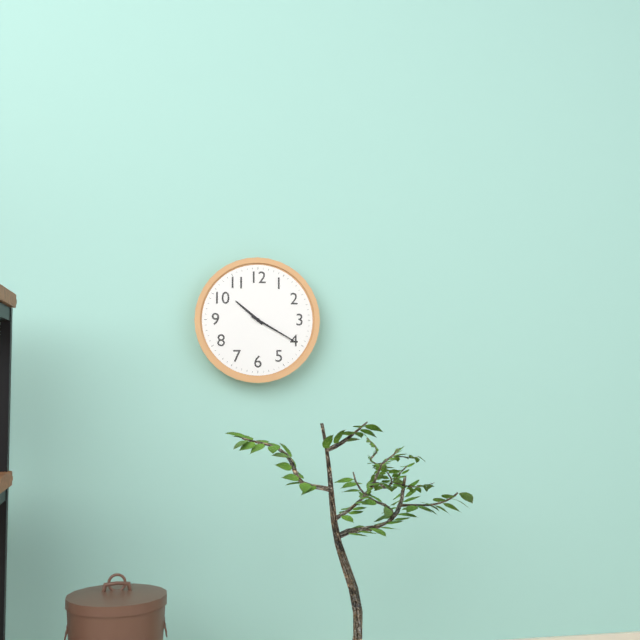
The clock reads **10:20**
